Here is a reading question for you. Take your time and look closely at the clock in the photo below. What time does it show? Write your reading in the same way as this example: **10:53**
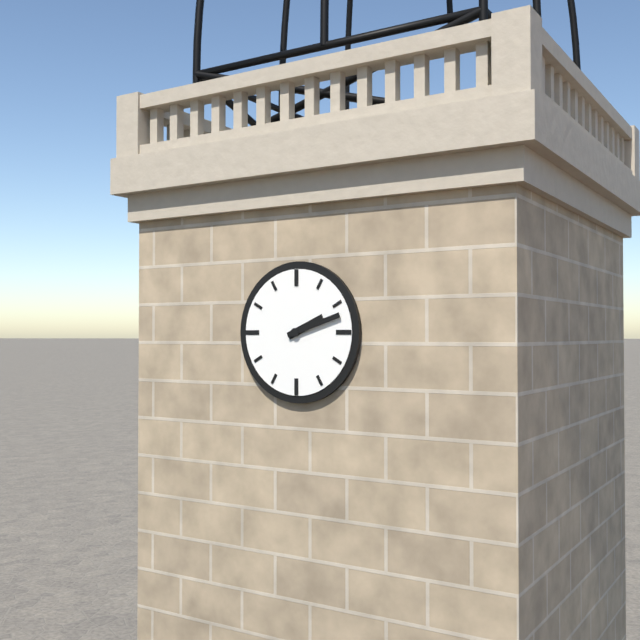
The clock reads **2:12**
